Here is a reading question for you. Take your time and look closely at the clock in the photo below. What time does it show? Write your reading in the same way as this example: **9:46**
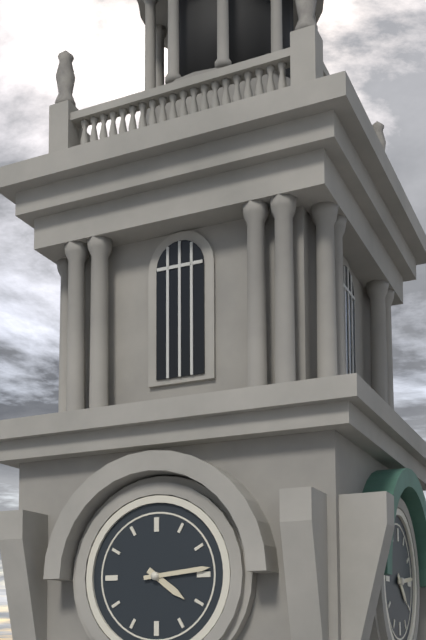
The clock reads **4:14**
